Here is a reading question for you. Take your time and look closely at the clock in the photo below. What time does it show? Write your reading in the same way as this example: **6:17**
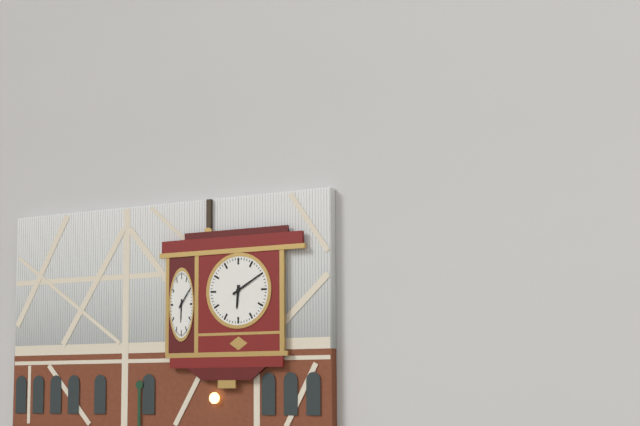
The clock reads **6:10**
